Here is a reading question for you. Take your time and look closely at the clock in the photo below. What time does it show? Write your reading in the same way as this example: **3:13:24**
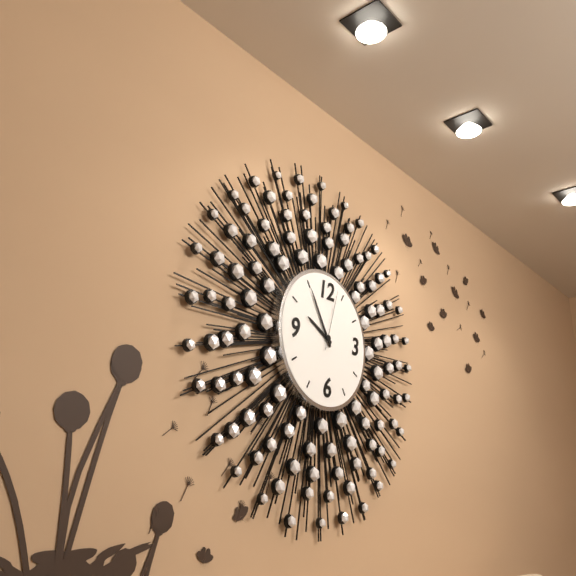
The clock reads **9:55:03**
